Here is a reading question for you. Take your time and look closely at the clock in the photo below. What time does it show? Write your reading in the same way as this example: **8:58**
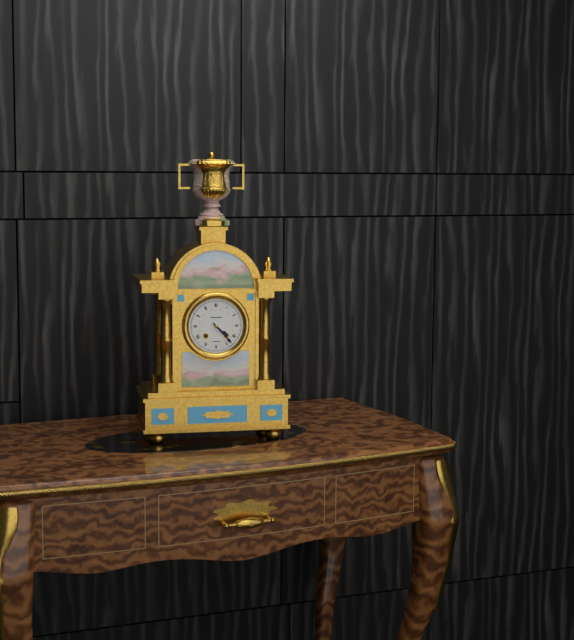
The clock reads **4:23**
